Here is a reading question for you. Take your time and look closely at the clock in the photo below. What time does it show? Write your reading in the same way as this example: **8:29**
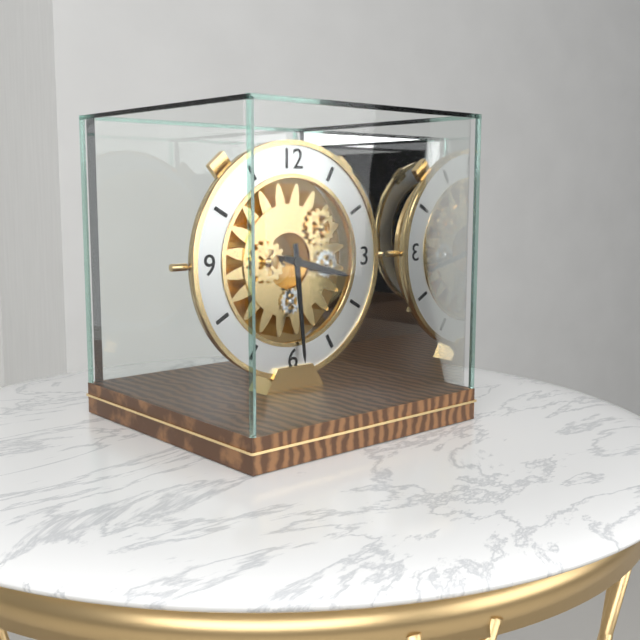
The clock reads **3:29**
